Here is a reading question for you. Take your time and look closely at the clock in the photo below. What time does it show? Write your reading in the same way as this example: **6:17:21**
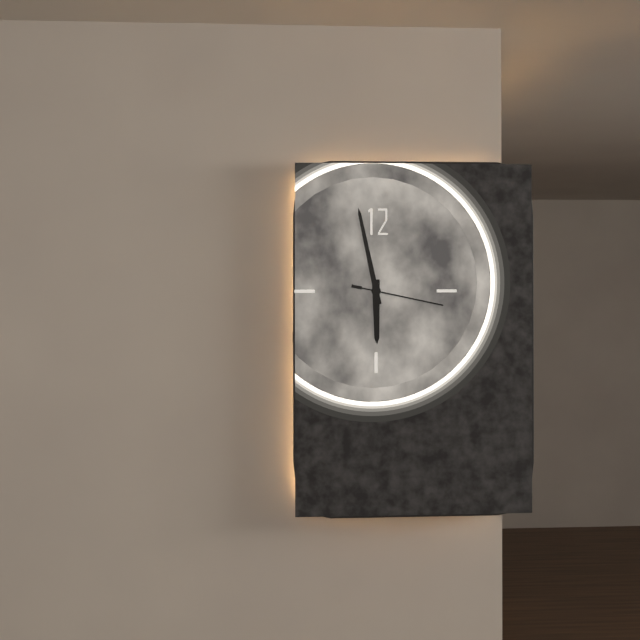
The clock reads **5:58:17**
